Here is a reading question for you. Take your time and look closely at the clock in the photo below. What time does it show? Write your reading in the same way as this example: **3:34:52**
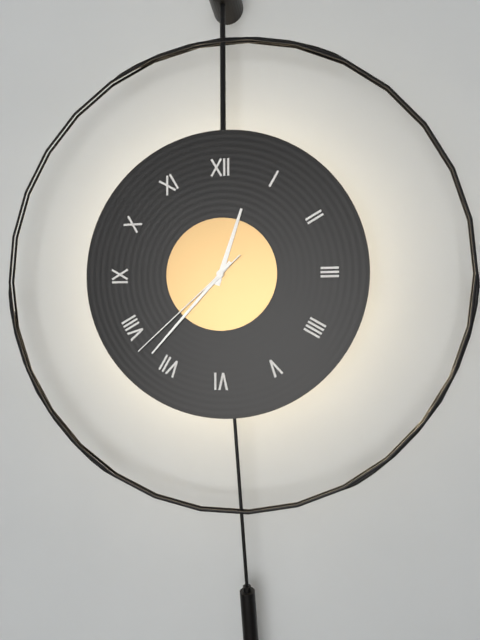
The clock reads **12:37:38**
